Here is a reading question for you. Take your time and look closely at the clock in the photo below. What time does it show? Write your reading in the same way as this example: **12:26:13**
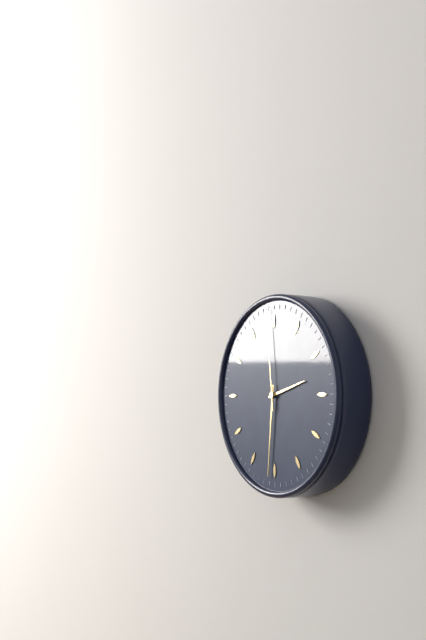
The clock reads **2:31:59**
